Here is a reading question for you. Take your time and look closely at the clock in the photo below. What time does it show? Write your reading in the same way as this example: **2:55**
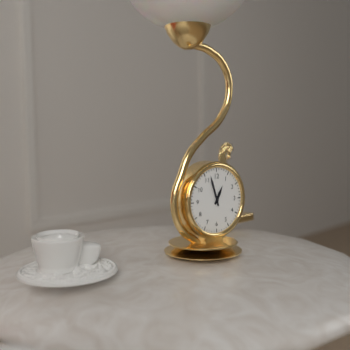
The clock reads **12:57**
